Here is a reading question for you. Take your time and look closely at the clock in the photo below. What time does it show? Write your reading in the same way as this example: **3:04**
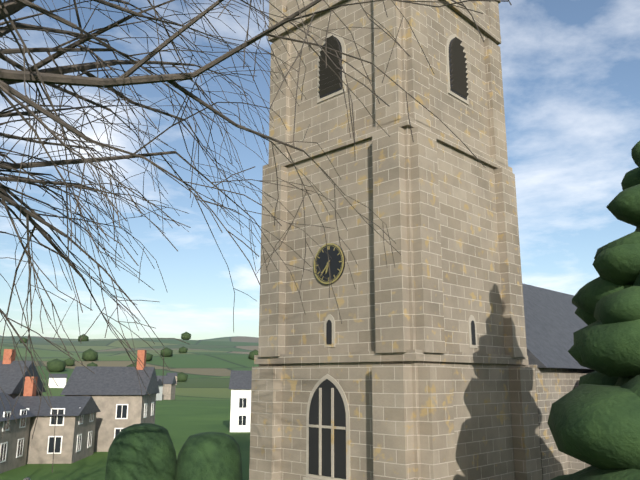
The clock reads **6:37**
